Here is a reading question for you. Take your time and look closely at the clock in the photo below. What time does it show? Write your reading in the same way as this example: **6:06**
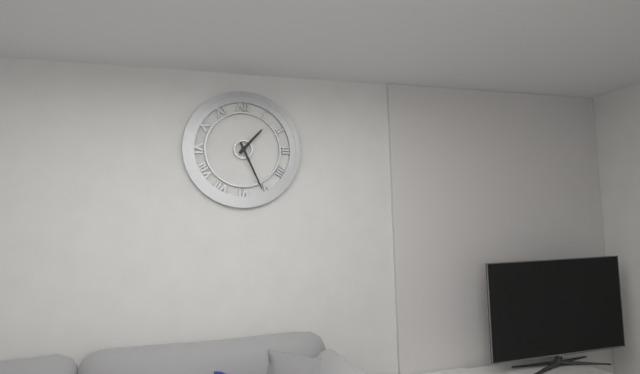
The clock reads **1:26**
